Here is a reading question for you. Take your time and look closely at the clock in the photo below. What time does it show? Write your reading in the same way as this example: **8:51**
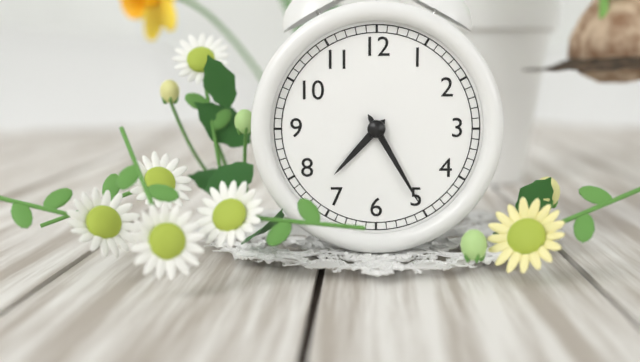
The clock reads **7:25**
